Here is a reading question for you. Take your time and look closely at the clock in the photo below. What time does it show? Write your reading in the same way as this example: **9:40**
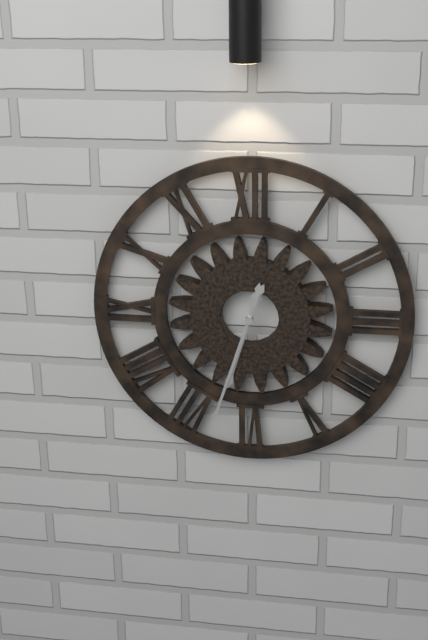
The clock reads **6:33**
